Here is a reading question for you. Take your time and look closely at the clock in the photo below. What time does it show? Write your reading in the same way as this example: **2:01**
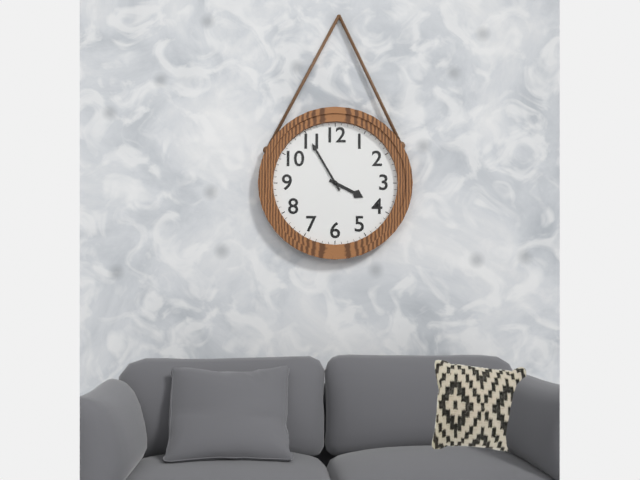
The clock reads **3:55**
